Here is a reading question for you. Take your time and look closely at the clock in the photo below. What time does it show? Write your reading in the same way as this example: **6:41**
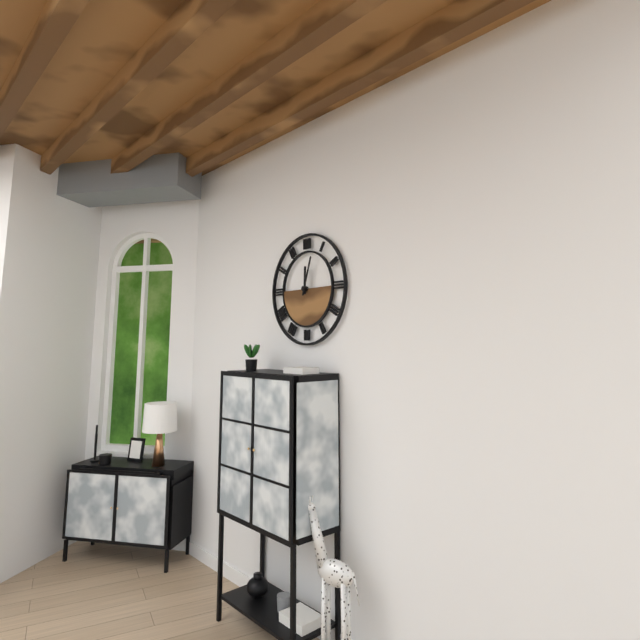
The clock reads **12:03**
